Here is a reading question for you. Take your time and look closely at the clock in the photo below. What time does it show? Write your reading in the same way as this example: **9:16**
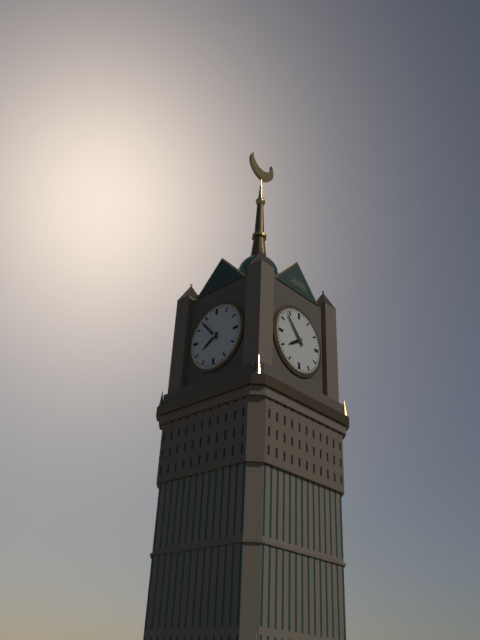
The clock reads **7:53**
